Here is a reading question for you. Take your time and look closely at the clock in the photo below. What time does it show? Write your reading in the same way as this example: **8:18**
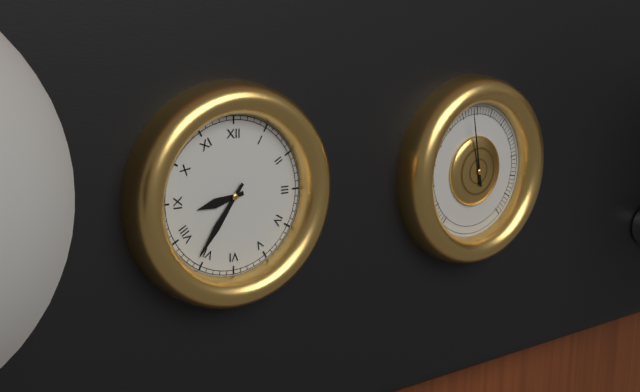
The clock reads **8:36**
